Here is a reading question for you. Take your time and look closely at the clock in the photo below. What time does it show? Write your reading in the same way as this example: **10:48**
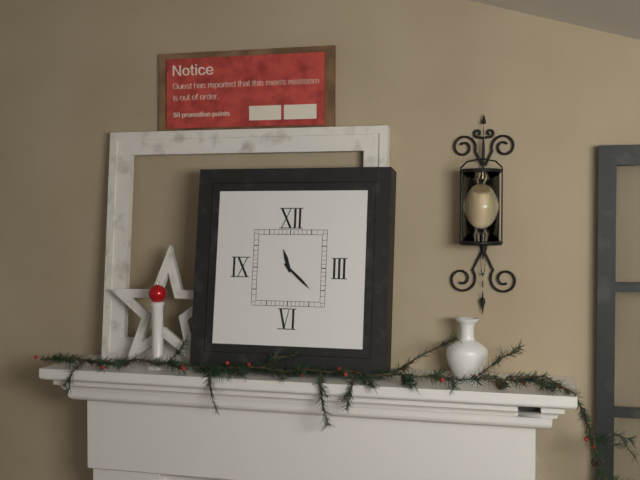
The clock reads **11:22**
